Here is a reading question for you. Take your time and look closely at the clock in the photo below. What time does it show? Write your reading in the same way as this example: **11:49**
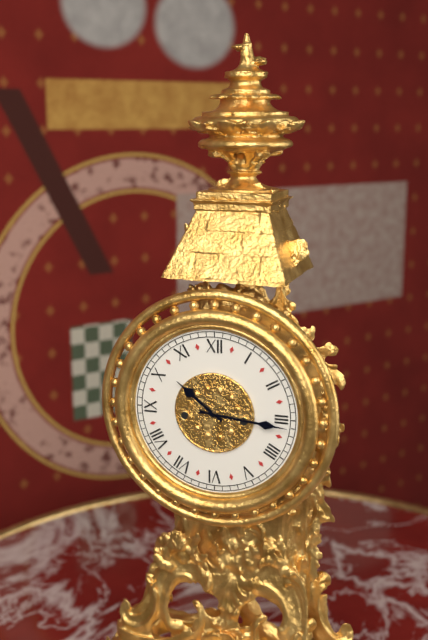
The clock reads **10:16**
